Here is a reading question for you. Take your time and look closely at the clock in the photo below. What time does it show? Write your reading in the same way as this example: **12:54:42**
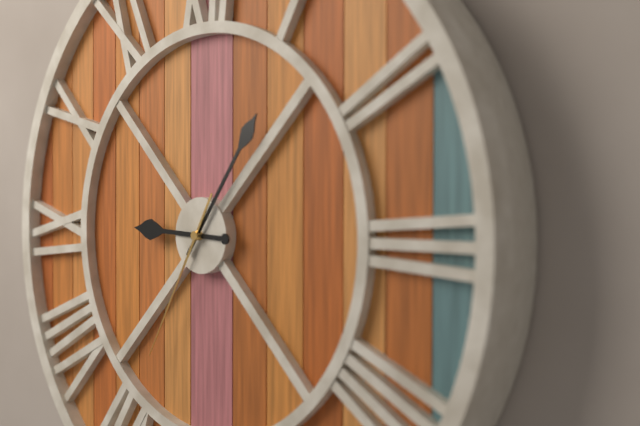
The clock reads **9:06:35**
